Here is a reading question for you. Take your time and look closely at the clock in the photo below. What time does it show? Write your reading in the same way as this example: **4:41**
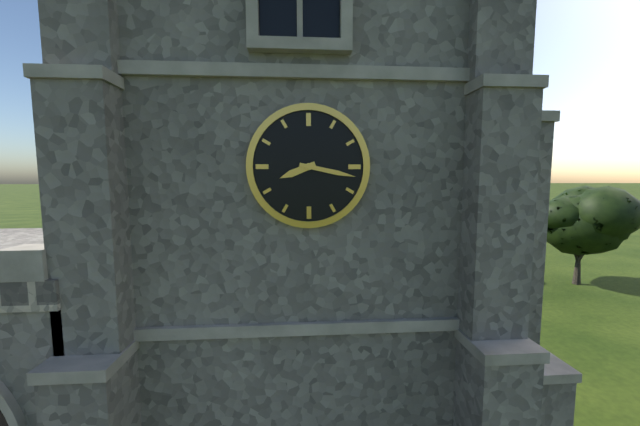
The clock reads **8:17**
